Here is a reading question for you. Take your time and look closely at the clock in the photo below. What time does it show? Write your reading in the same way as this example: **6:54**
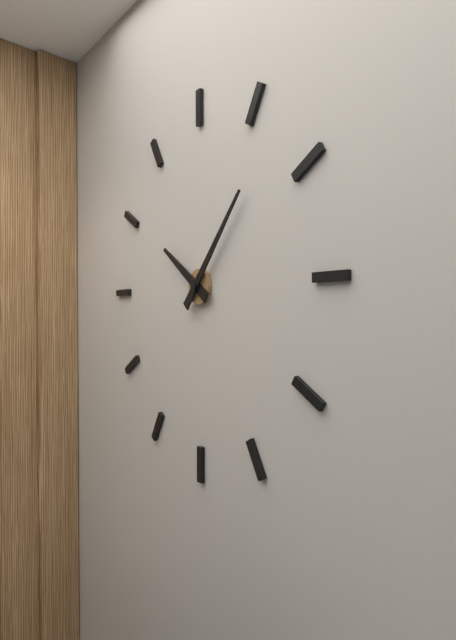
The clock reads **10:07**
